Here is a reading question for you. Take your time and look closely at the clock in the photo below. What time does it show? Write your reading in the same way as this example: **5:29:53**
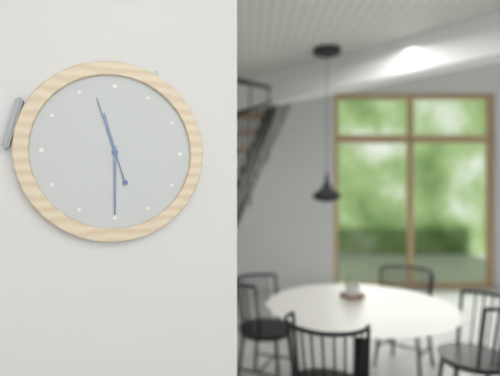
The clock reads **11:30:57**
